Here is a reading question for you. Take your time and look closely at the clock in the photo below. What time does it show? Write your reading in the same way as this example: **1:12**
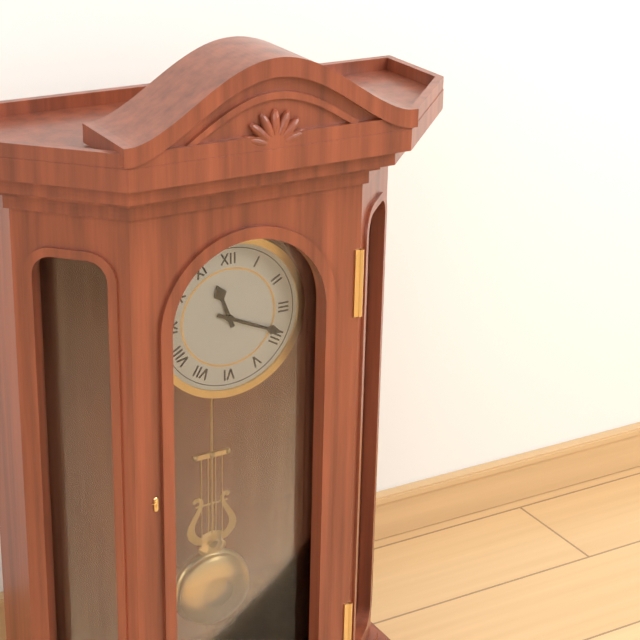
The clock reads **11:19**
